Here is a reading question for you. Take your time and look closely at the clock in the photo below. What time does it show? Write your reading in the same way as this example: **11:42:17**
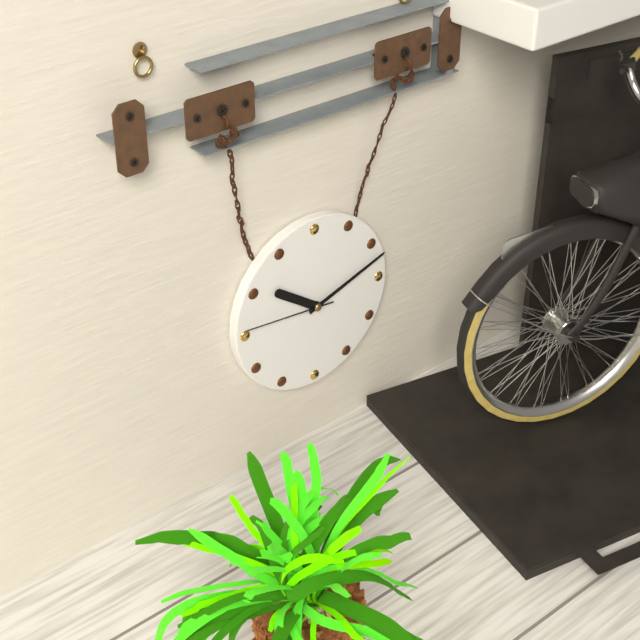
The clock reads **10:12:46**
